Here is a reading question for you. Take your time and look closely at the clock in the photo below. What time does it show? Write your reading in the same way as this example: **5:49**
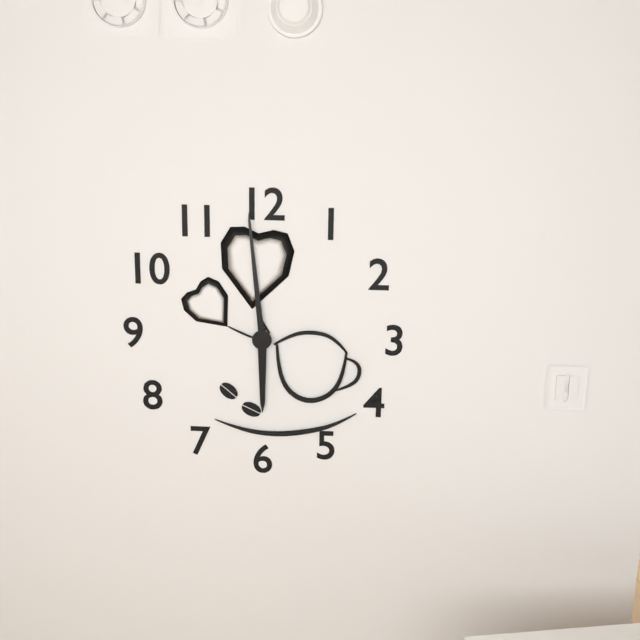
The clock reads **5:59**
